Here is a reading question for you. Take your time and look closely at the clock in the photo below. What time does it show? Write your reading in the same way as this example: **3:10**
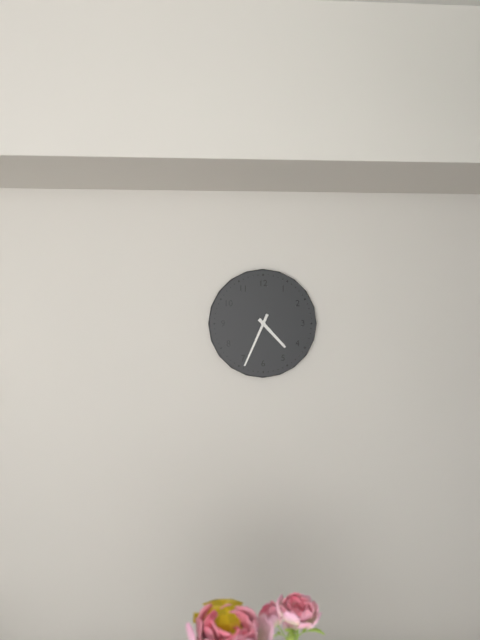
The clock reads **4:34**
